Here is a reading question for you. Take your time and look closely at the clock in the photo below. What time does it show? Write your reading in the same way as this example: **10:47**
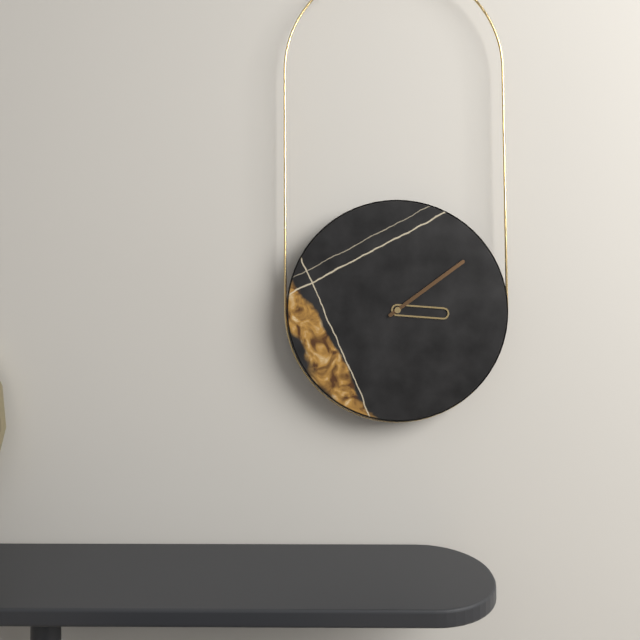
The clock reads **3:09**
